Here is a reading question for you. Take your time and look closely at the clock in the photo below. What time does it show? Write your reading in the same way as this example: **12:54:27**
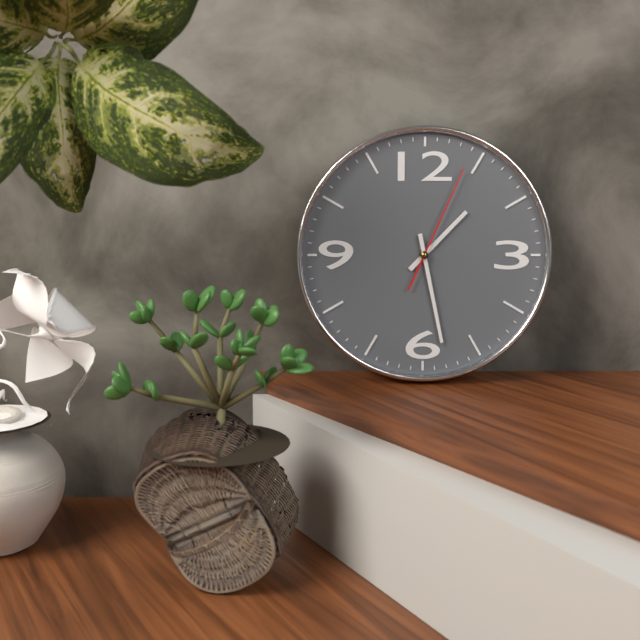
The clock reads **1:28:04**
